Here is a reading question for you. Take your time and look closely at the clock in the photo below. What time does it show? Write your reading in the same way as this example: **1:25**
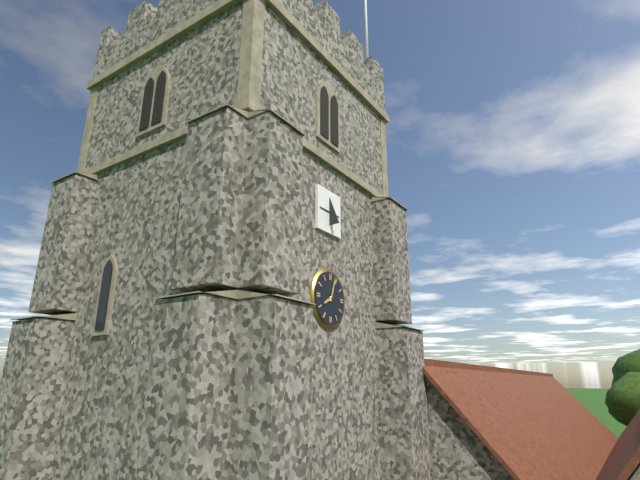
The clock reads **8:03**
